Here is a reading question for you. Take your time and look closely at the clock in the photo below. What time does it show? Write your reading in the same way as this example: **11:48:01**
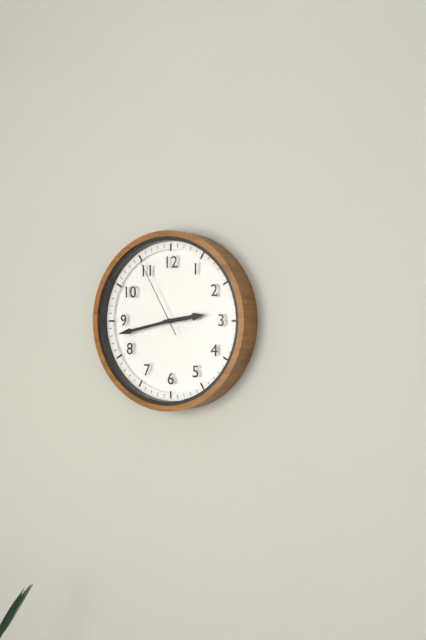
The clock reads **2:43:55**
